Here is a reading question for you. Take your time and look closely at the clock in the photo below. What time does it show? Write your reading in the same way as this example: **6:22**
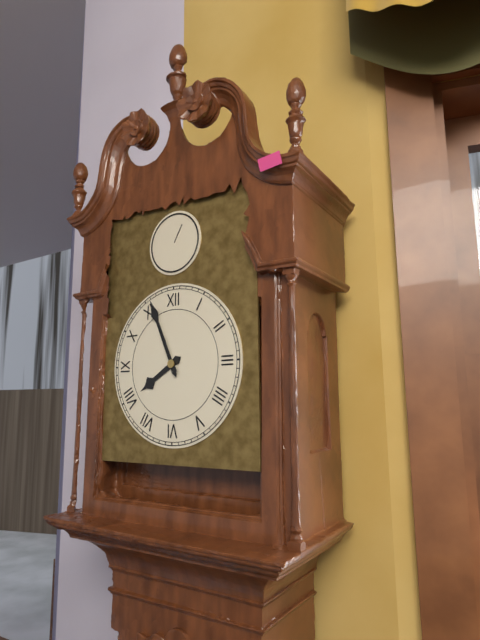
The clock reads **7:56**
